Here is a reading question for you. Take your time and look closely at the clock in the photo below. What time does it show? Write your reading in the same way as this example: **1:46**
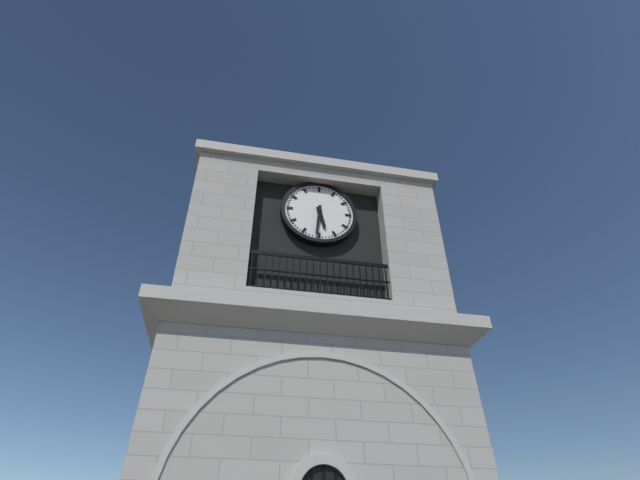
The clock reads **5:31**
